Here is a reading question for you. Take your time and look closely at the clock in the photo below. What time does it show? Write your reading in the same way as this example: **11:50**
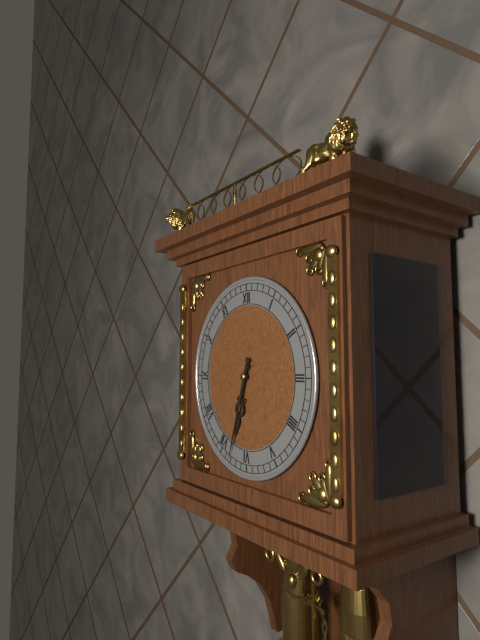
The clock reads **6:33**
